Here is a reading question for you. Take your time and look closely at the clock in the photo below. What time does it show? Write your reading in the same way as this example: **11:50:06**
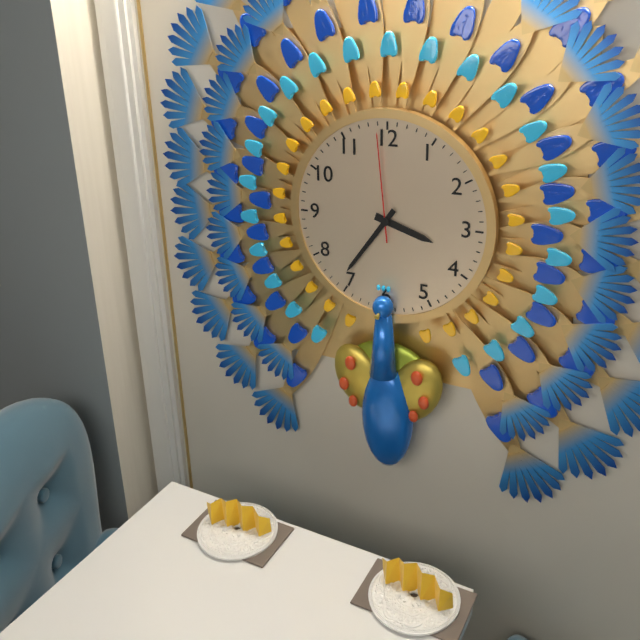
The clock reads **3:36:59**
